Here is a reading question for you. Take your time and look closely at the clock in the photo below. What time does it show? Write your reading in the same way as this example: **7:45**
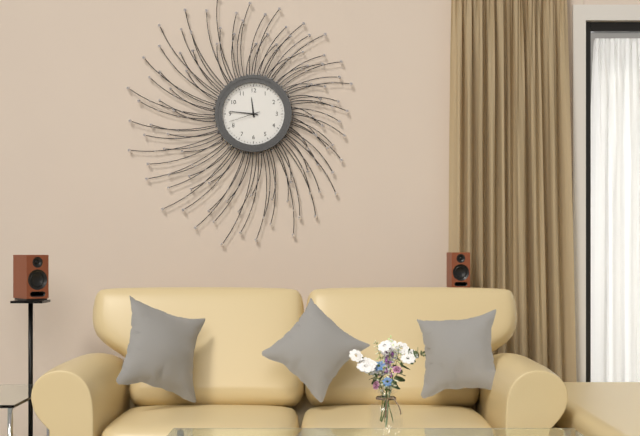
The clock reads **11:46**
